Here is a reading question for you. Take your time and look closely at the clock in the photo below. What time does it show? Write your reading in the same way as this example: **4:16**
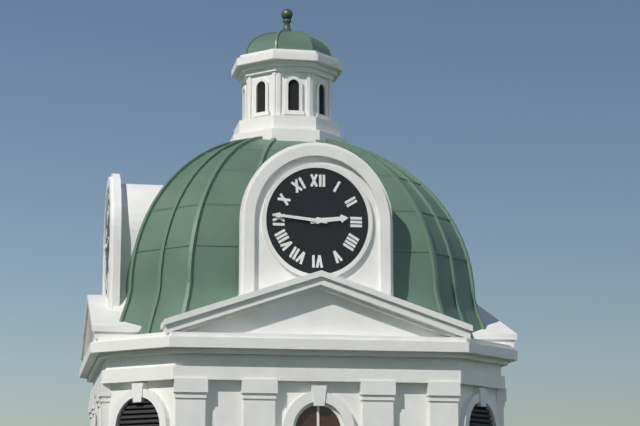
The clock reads **2:46**
